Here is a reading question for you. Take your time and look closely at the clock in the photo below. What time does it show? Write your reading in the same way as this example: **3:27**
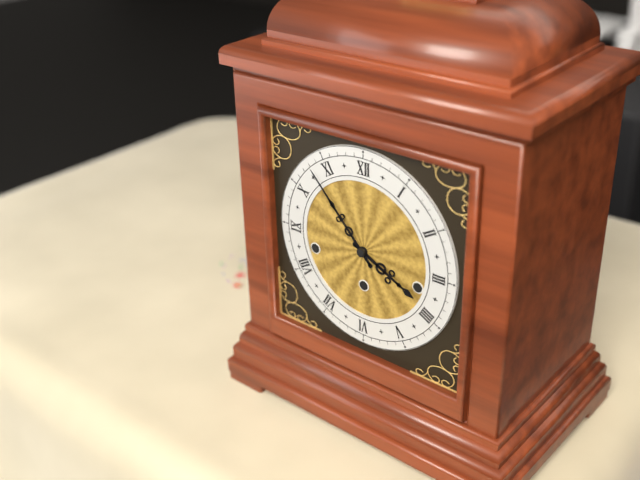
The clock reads **3:53**
